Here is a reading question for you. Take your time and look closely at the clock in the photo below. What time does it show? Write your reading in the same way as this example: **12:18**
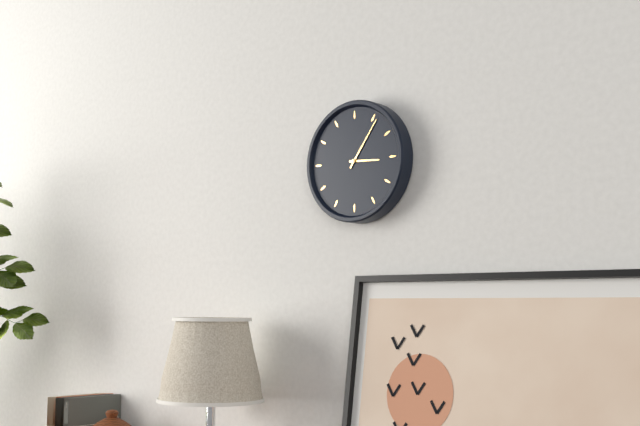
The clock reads **3:06**
